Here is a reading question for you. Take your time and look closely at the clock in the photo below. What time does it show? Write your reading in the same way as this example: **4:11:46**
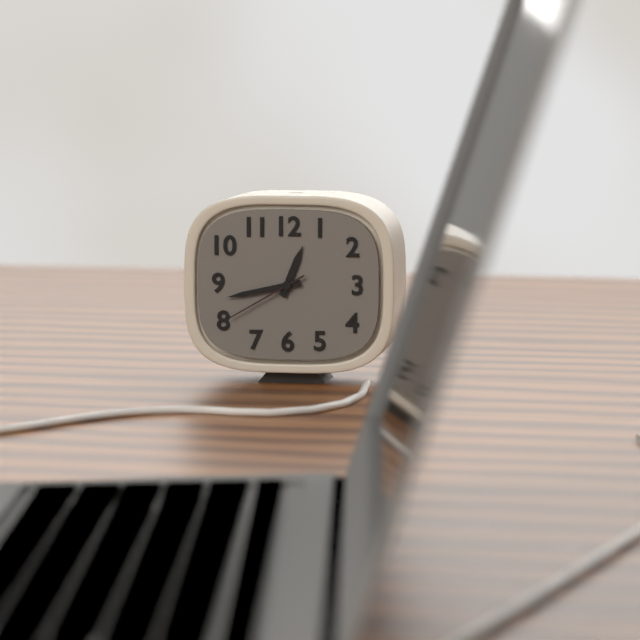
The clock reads **12:43:40**
